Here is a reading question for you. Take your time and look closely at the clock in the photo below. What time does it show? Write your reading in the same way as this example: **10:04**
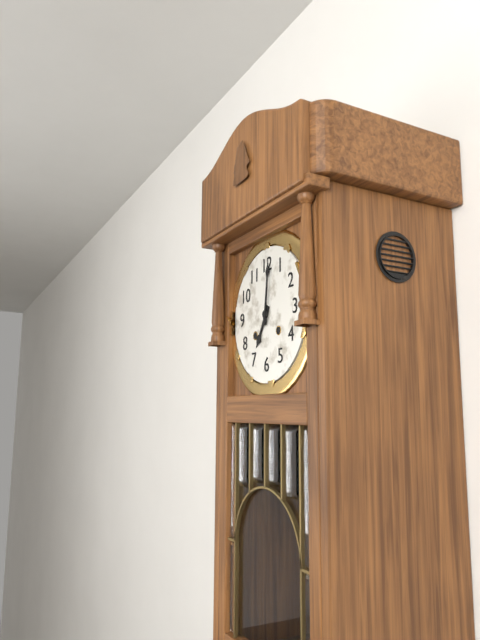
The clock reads **7:01**
